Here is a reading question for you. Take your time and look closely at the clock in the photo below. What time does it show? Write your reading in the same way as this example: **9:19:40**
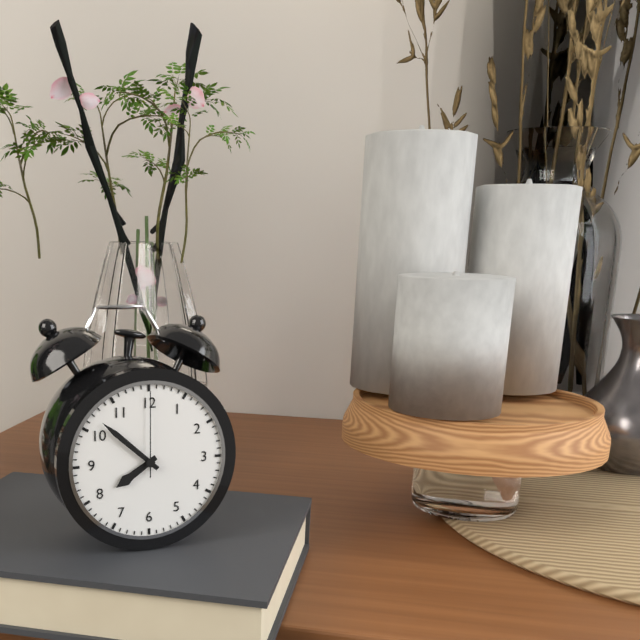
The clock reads **7:52:00**
